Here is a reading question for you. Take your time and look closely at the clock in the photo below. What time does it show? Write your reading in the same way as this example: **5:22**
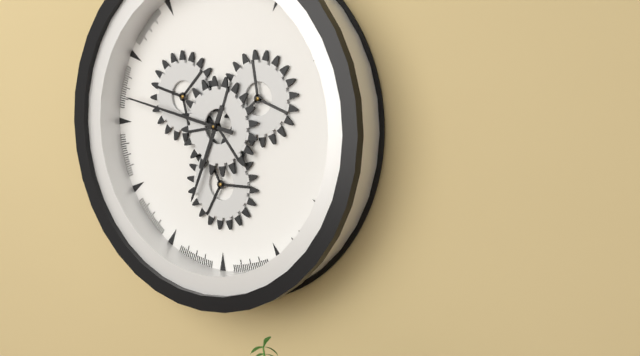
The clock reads **6:47**
